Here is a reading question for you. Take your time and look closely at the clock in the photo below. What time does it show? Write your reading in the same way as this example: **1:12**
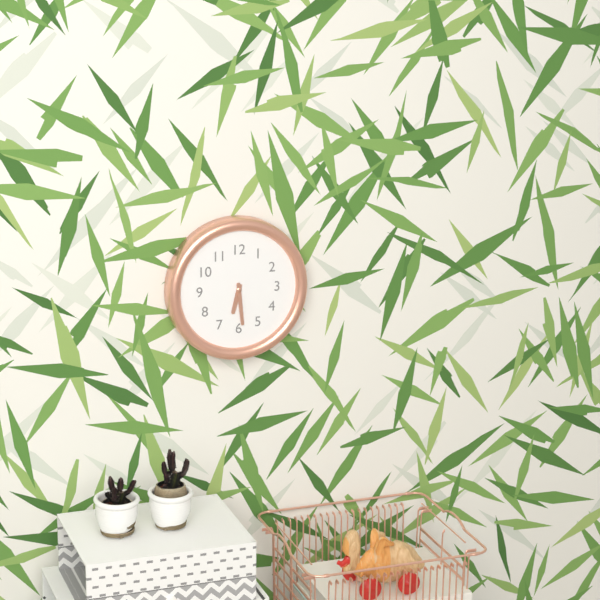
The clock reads **6:29**
